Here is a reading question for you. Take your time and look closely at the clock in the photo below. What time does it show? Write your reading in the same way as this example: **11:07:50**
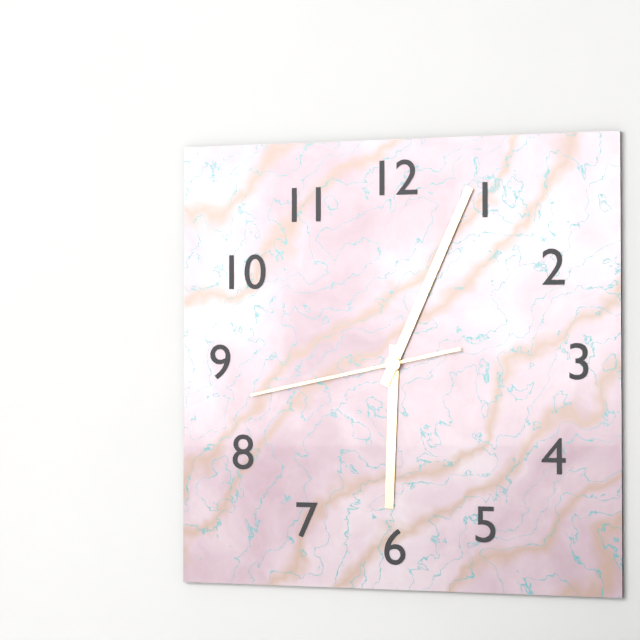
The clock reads **6:04:43**
